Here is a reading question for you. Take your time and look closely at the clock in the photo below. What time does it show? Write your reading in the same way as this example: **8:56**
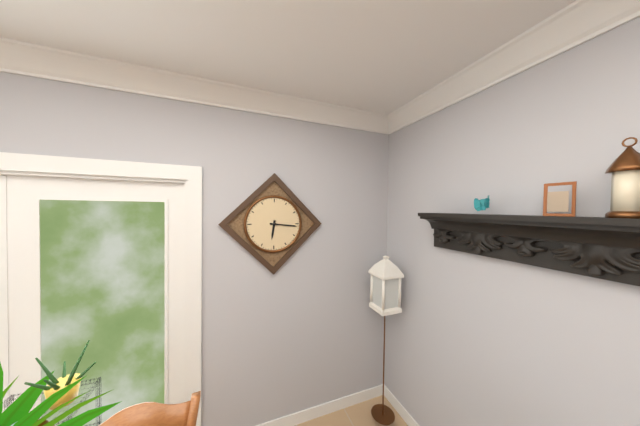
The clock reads **6:16**
